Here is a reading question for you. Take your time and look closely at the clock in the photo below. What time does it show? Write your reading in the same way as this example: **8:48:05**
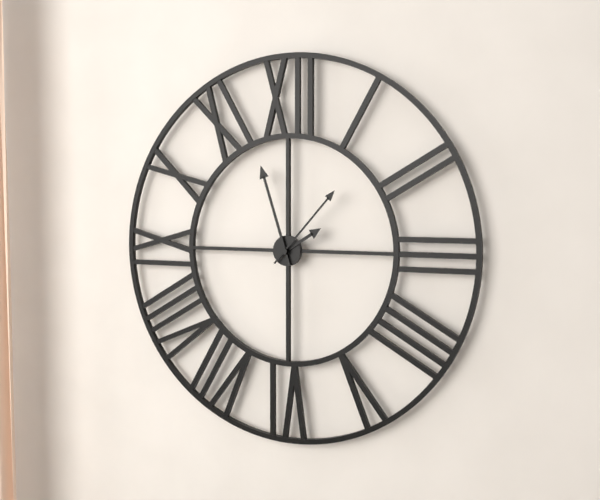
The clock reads **1:57:07**
